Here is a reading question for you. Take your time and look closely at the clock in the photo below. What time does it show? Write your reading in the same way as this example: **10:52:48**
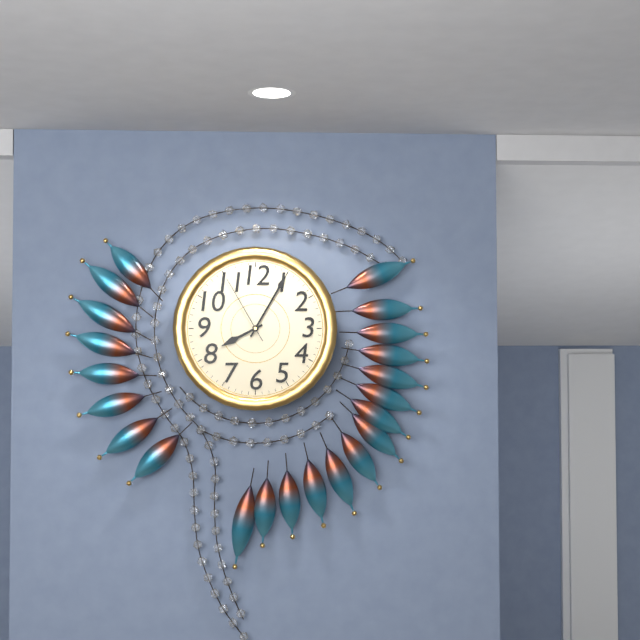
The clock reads **8:05:55**
